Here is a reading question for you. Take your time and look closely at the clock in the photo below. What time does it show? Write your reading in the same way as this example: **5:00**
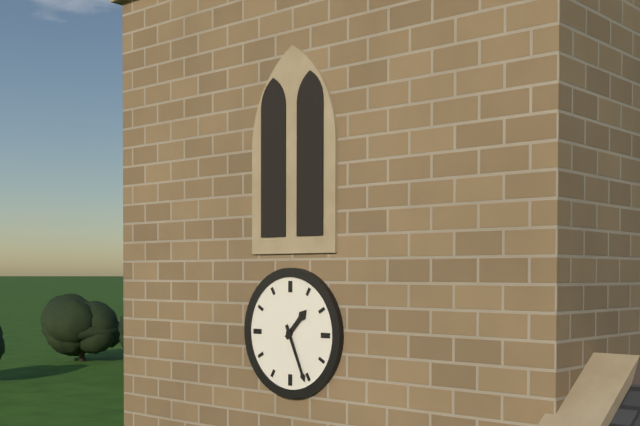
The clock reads **1:26**
